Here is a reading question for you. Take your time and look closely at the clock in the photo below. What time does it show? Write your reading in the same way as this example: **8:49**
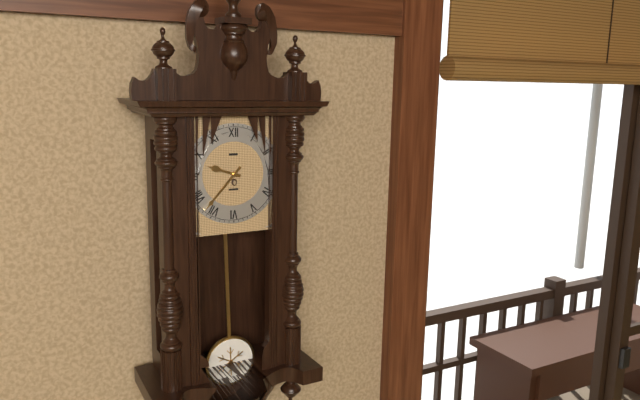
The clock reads **9:37**
